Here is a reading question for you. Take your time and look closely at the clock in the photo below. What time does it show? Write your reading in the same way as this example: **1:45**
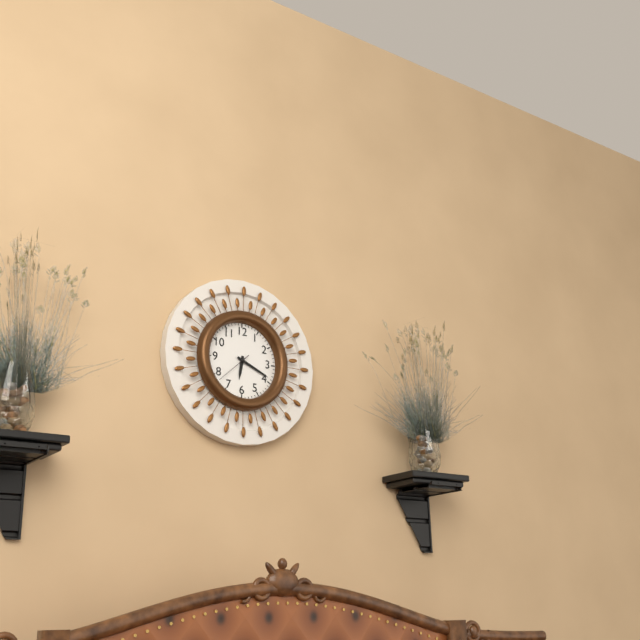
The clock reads **6:19**
